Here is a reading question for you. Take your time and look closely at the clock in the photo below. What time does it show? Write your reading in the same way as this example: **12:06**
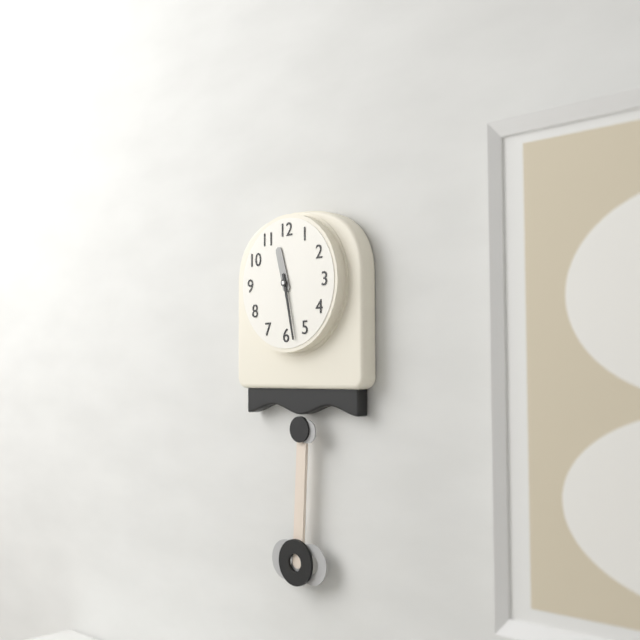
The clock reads **11:28**
